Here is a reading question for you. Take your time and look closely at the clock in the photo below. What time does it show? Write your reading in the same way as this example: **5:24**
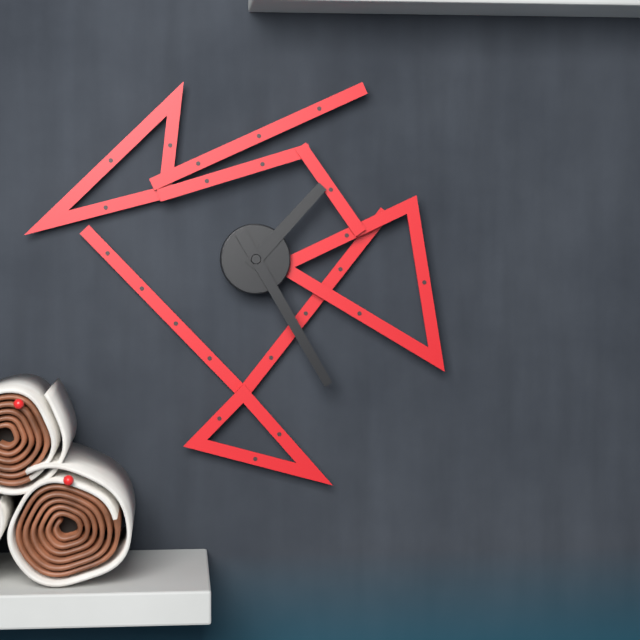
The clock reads **1:25**
